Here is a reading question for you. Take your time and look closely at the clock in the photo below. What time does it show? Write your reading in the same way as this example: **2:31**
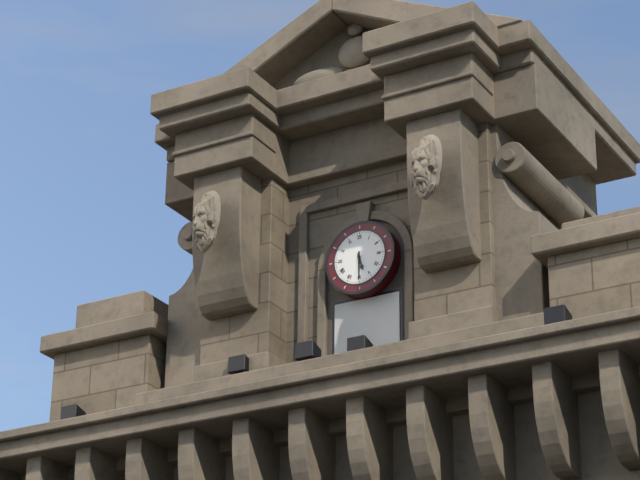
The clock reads **5:30**
